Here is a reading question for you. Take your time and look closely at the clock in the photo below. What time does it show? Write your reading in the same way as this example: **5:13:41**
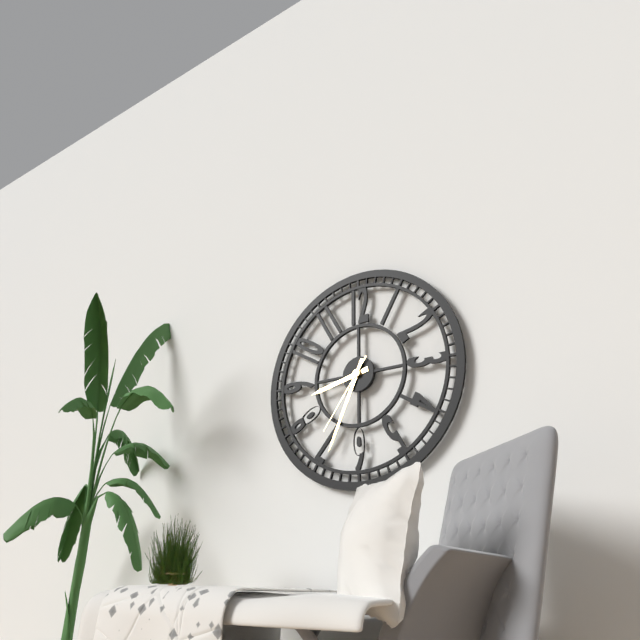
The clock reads **8:34:36**
